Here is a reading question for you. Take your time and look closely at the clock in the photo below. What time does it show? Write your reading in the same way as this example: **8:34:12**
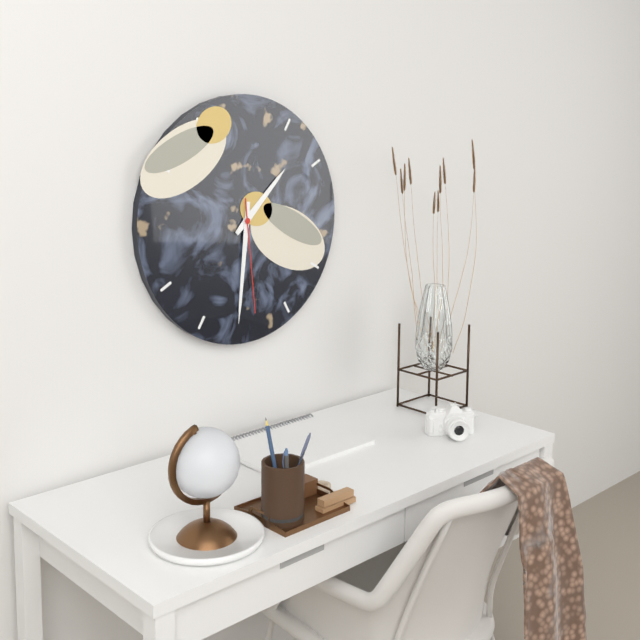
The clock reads **1:31:29**
